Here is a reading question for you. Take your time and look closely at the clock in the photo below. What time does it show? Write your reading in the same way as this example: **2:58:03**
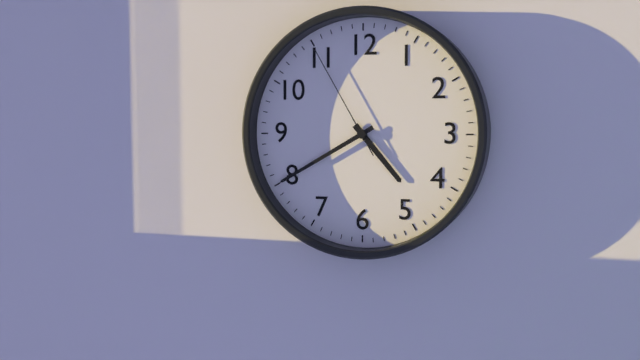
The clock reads **4:40:55**
